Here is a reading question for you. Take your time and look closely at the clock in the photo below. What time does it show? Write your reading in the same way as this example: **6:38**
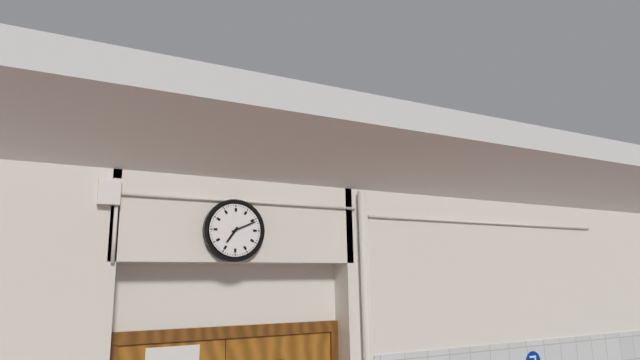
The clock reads **7:11**
